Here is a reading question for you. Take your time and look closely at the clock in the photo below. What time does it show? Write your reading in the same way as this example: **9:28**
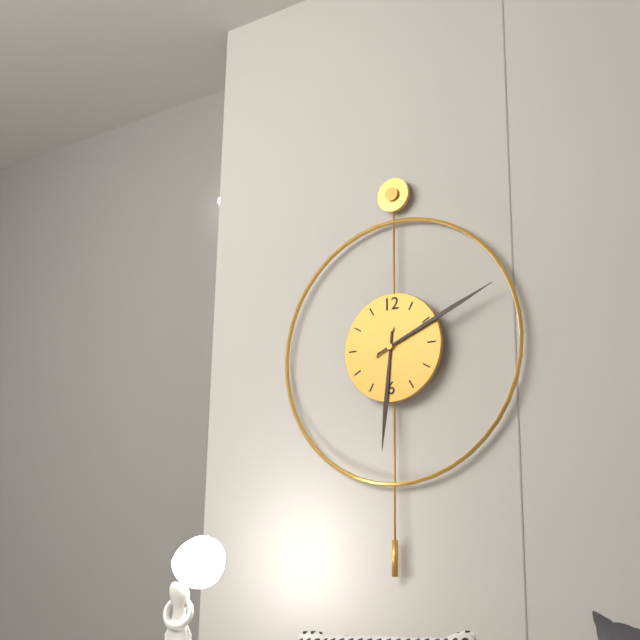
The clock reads **6:11**
